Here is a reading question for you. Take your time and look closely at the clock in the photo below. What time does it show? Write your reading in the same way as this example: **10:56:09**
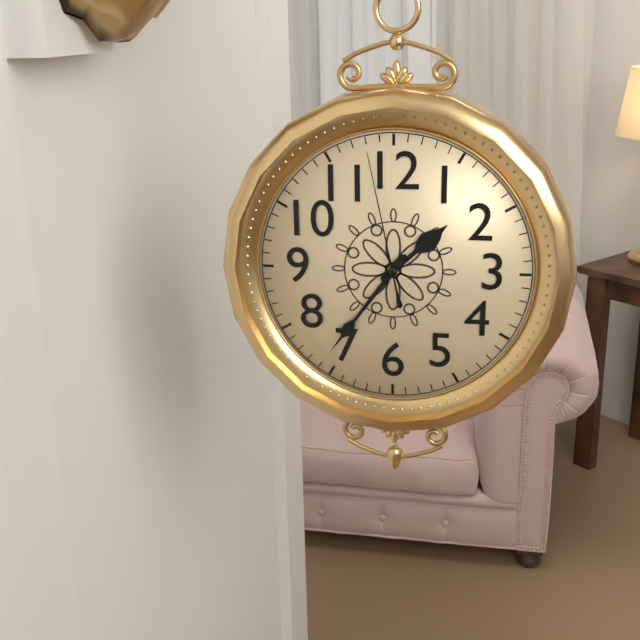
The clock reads **1:36:58**
